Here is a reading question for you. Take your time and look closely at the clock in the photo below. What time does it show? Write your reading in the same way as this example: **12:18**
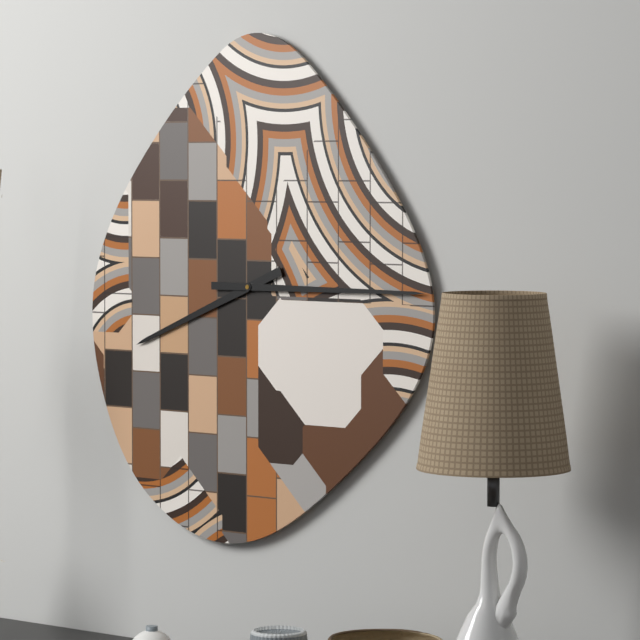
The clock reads **8:15**
